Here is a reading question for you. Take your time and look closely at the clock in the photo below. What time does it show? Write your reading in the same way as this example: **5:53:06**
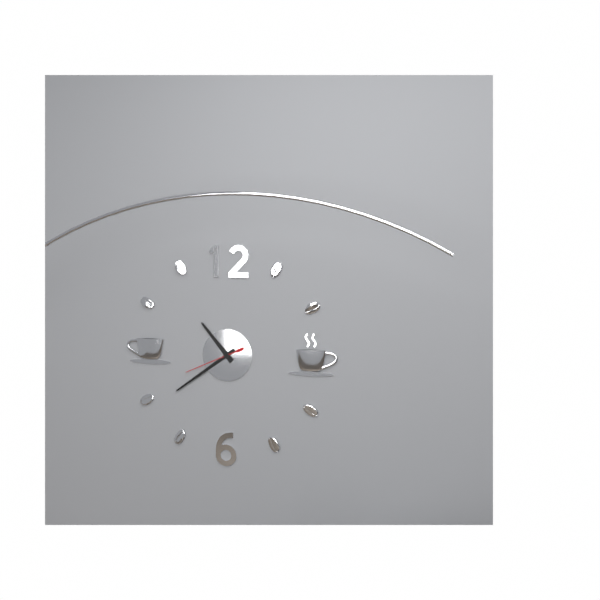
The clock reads **10:39:41**
